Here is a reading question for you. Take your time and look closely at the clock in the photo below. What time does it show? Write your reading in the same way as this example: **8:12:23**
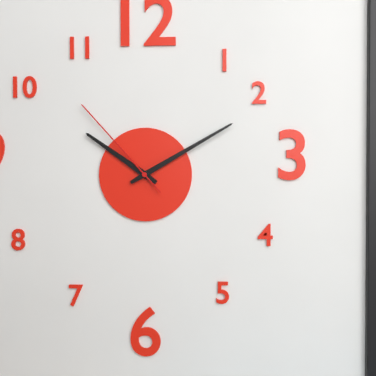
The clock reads **10:10:53**
